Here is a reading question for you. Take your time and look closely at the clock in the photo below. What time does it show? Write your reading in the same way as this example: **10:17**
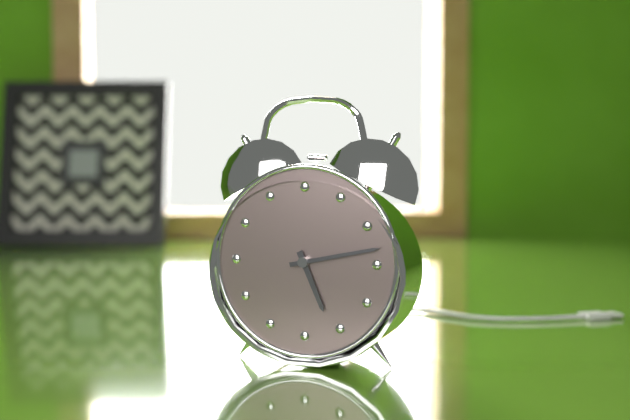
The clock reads **5:13**
